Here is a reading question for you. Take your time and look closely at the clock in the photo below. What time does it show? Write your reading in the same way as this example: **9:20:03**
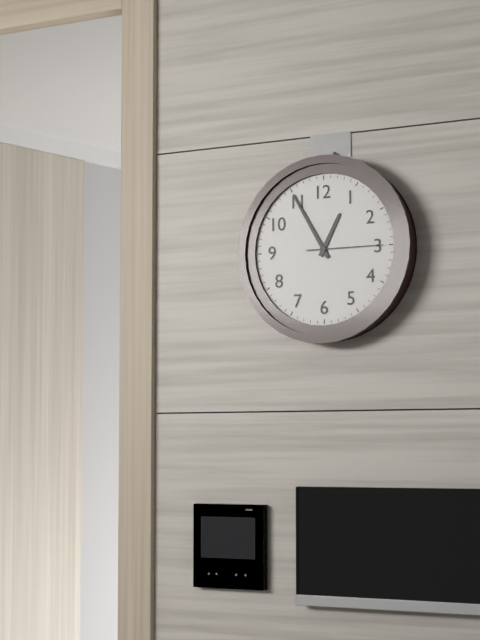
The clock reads **12:55:15**
